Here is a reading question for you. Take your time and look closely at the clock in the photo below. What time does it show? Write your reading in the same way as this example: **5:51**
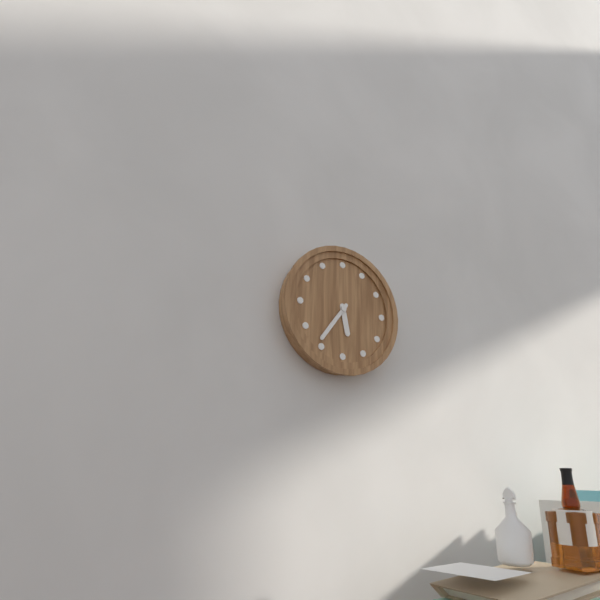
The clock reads **5:36**
